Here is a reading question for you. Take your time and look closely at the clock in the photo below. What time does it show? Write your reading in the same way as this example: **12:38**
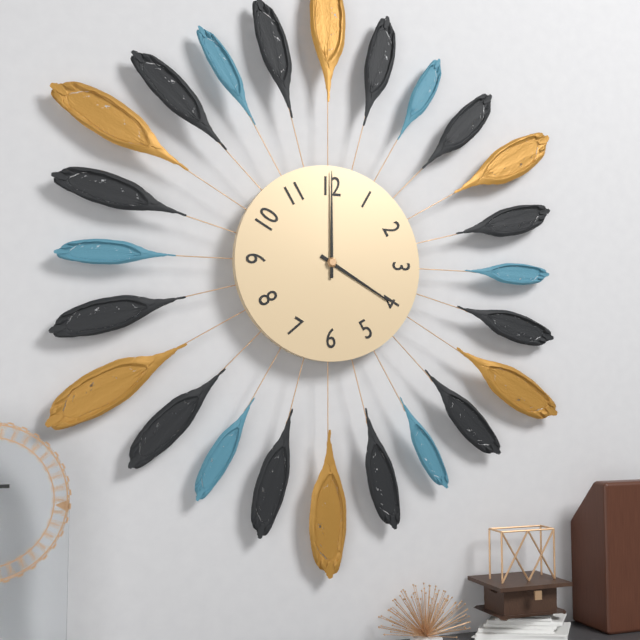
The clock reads **4:00**
